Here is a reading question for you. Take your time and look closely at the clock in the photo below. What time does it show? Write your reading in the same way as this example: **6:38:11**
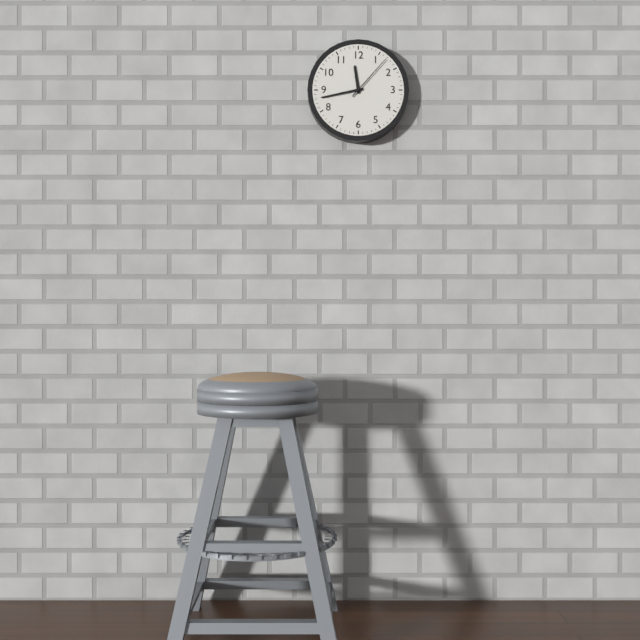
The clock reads **11:43:07**
